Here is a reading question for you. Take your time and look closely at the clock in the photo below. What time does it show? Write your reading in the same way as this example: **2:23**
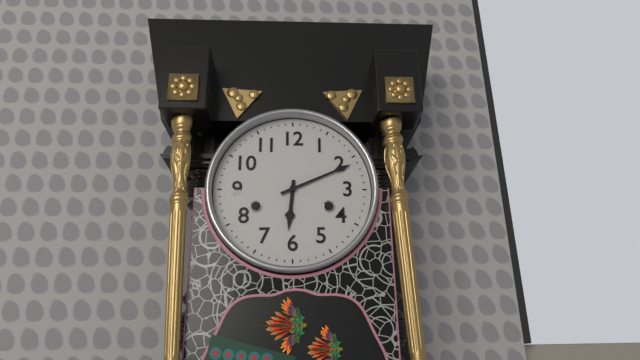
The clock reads **6:11**
